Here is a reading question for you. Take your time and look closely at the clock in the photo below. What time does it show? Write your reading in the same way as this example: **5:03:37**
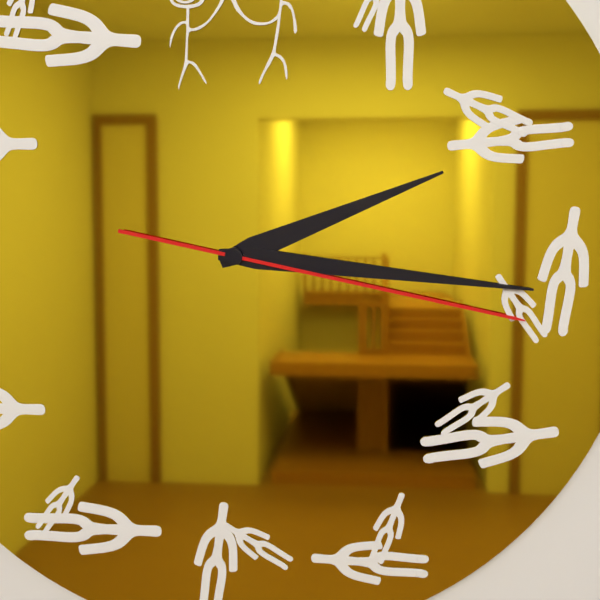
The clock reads **2:16:17**
